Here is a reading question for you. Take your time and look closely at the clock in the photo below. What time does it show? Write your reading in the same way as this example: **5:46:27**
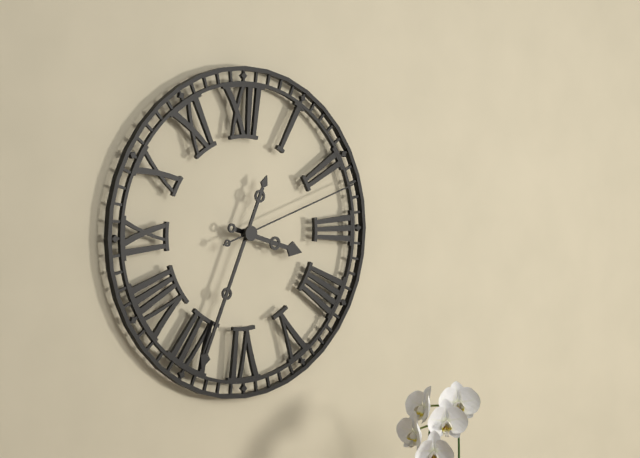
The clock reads **3:34:12**
